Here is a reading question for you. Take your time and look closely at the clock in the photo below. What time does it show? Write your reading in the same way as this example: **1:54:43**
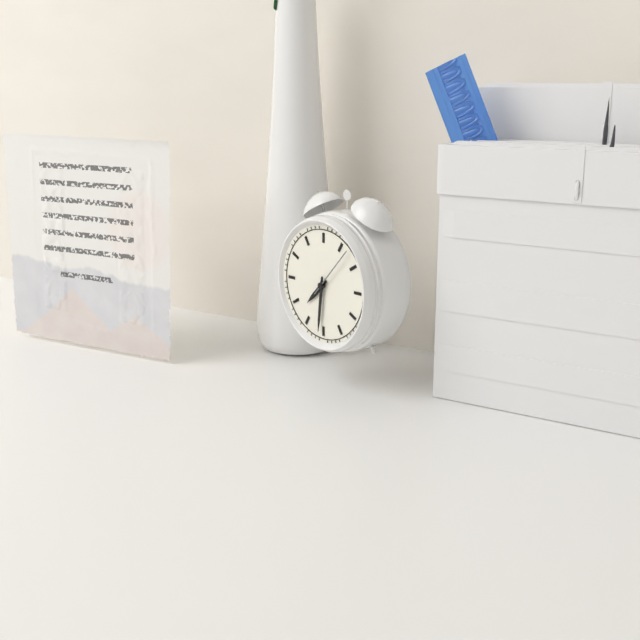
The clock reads **7:31:07**
